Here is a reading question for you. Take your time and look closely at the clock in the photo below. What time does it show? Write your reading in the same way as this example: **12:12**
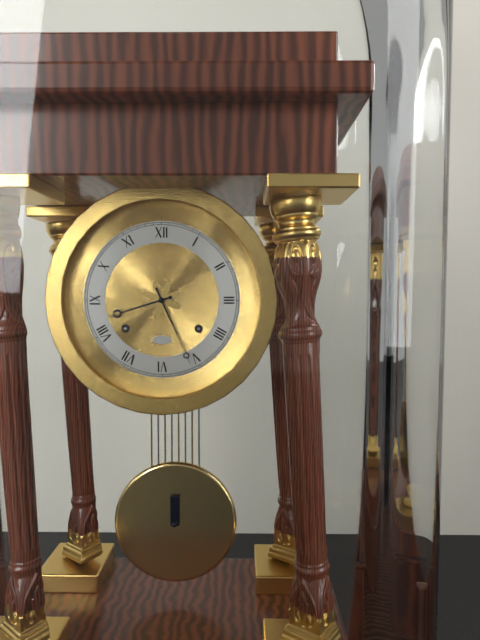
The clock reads **8:26**
